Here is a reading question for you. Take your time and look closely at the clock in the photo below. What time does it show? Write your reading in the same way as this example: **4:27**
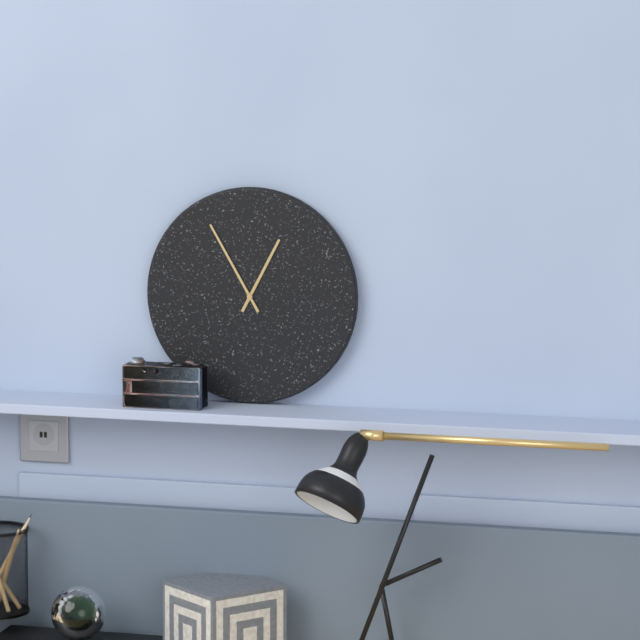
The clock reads **12:55**
